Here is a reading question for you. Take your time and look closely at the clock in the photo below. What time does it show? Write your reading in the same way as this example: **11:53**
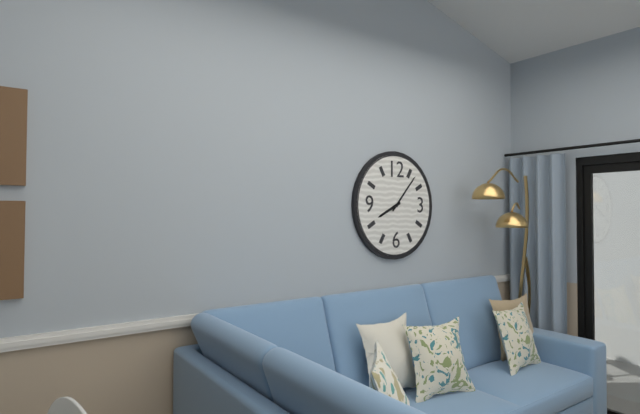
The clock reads **8:07**
